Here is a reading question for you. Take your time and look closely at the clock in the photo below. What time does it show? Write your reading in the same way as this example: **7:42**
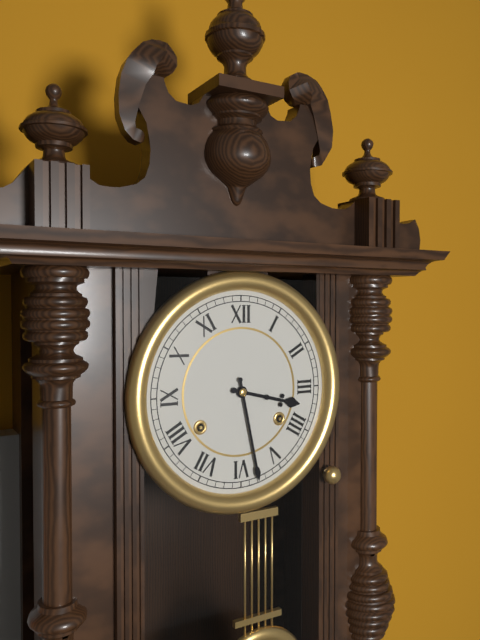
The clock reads **3:28**
